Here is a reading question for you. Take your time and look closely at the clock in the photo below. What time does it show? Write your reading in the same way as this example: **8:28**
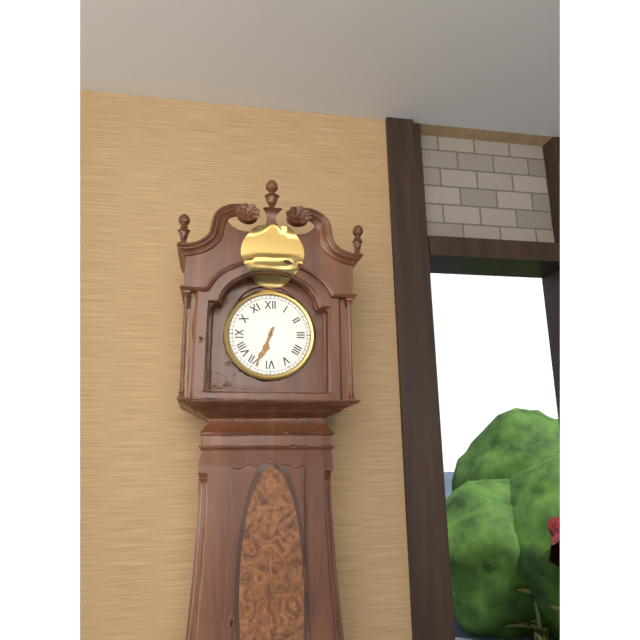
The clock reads **6:34**
